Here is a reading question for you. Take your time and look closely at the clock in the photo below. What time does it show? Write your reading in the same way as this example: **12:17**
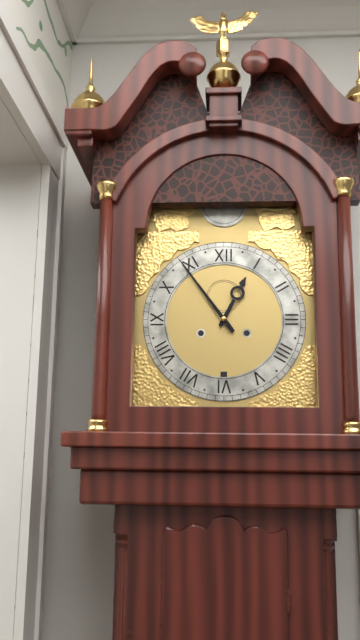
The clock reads **12:54**
